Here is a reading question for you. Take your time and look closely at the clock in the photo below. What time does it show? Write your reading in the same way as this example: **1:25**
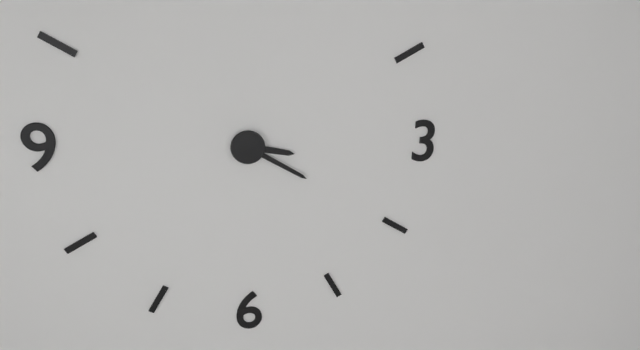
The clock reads **3:20**
